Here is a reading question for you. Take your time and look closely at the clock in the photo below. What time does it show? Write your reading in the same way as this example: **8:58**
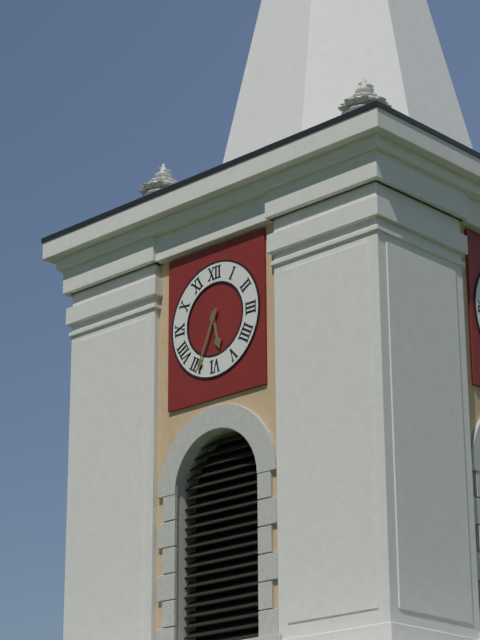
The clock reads **5:34**
